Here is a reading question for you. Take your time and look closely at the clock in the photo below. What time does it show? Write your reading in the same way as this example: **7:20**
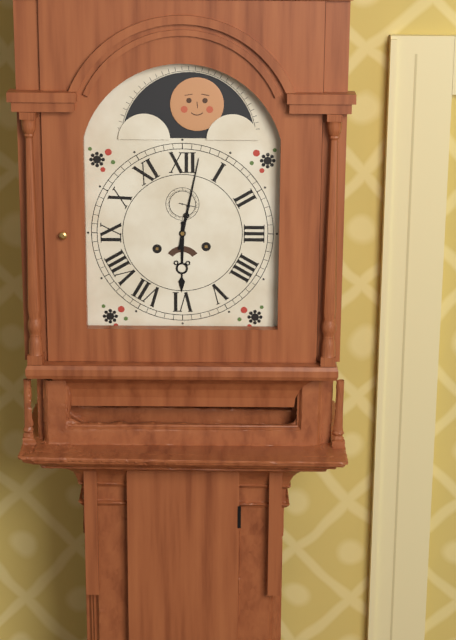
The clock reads **6:02**
